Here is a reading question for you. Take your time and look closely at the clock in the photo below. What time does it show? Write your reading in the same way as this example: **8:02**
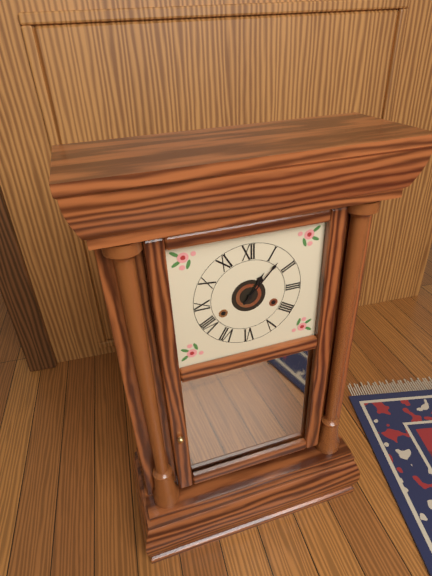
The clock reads **1:07**
